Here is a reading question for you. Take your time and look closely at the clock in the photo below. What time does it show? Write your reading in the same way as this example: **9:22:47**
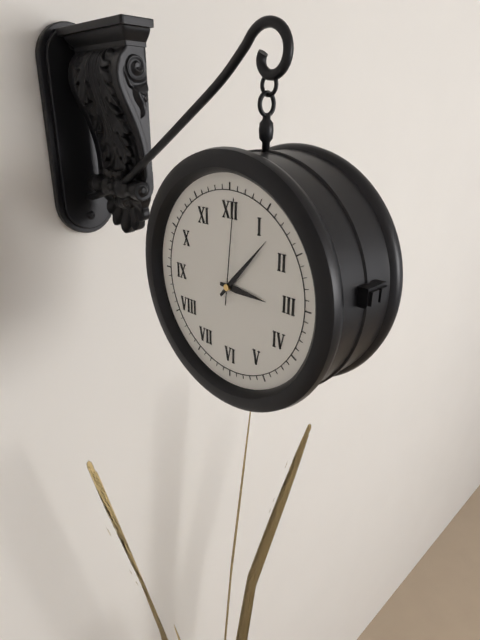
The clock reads **3:07:01**
